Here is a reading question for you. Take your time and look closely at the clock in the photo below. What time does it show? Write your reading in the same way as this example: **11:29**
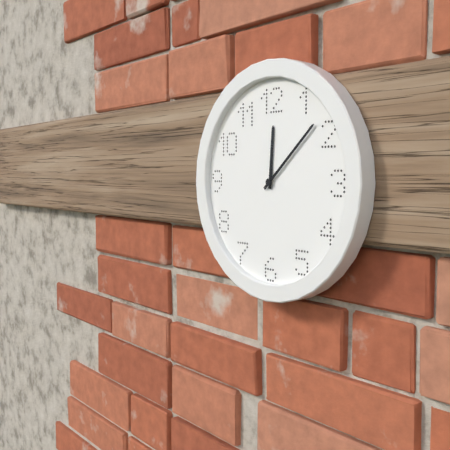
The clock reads **12:08**
